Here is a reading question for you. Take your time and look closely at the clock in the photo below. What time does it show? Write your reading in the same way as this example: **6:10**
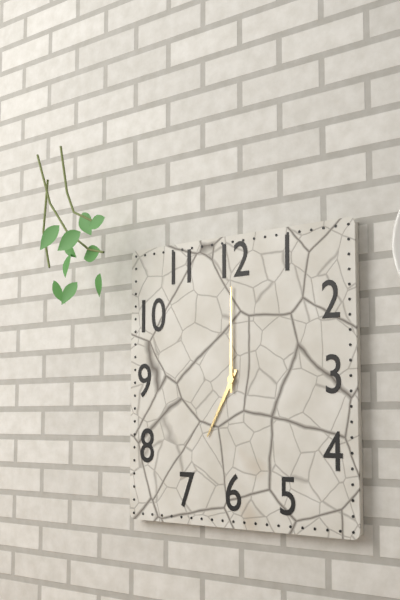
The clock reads **7:00**
